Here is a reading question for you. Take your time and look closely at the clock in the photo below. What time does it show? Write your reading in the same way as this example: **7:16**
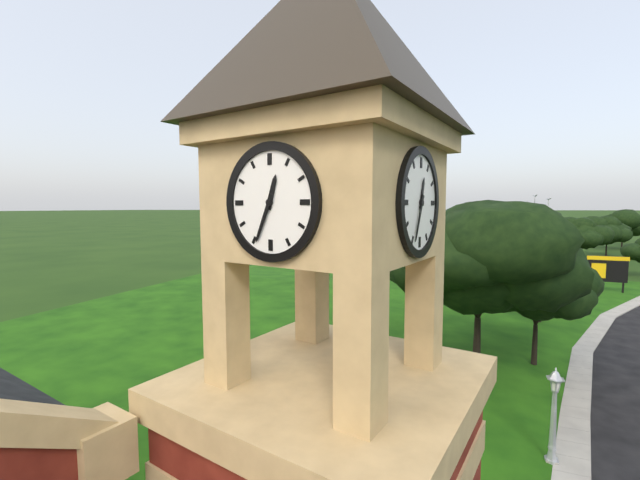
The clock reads **12:34**
